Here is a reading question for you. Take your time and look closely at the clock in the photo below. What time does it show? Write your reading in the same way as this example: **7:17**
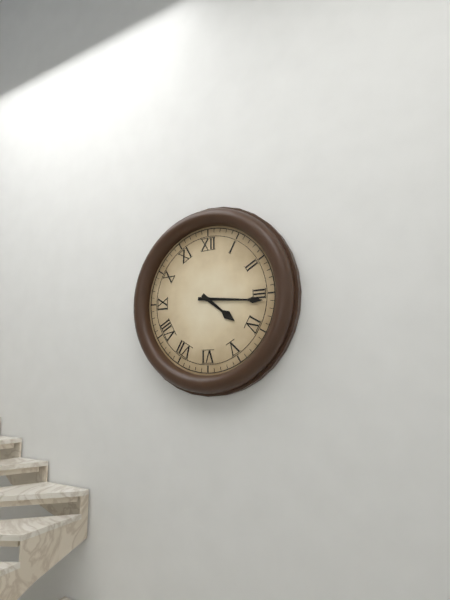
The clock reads **4:16**
